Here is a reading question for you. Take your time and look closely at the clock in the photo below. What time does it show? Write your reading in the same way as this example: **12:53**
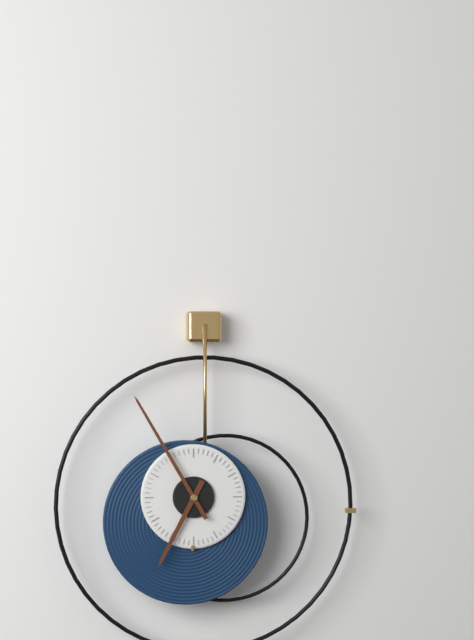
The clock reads **6:55**
